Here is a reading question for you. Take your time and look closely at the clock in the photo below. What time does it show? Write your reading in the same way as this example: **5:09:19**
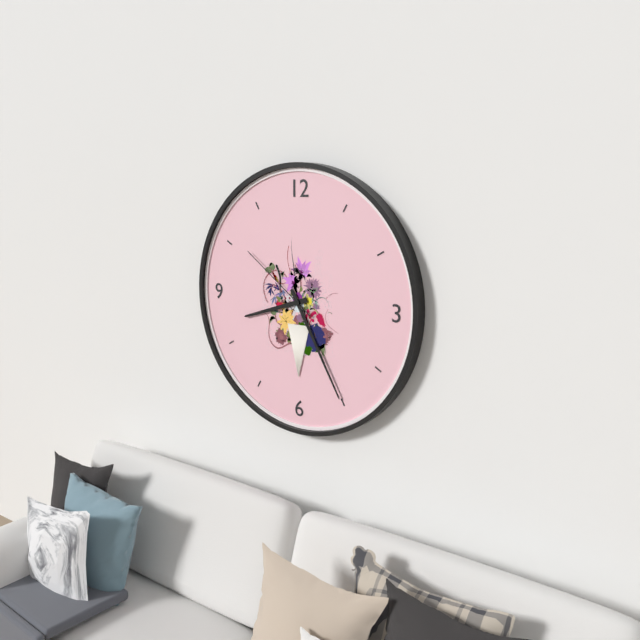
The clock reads **8:25:51**
